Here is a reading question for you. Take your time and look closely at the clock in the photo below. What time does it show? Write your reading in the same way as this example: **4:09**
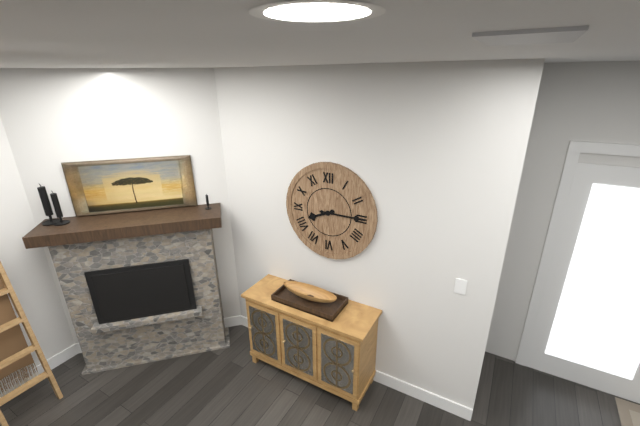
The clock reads **8:15**
